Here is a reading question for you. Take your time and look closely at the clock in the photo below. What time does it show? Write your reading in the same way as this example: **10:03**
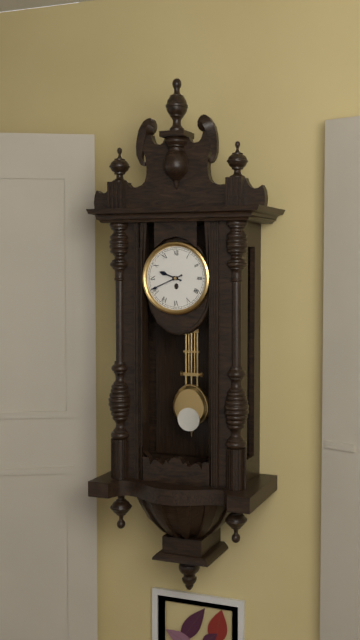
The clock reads **9:41**
